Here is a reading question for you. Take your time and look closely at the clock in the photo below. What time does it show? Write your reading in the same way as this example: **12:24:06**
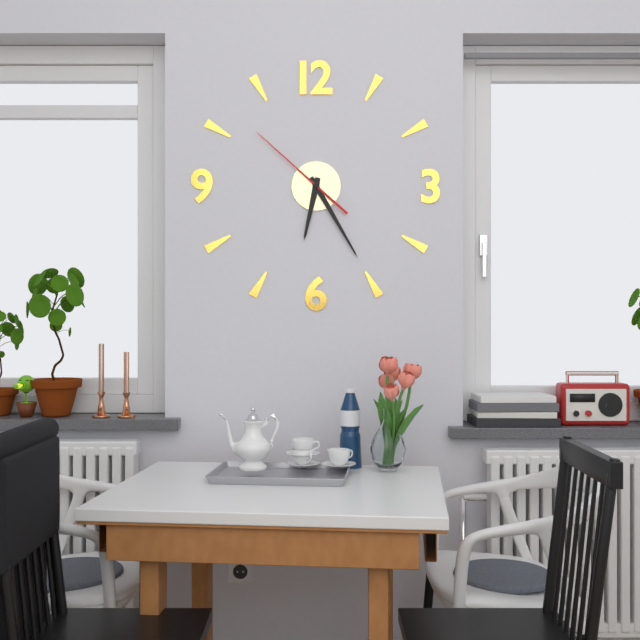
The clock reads **6:25:52**
